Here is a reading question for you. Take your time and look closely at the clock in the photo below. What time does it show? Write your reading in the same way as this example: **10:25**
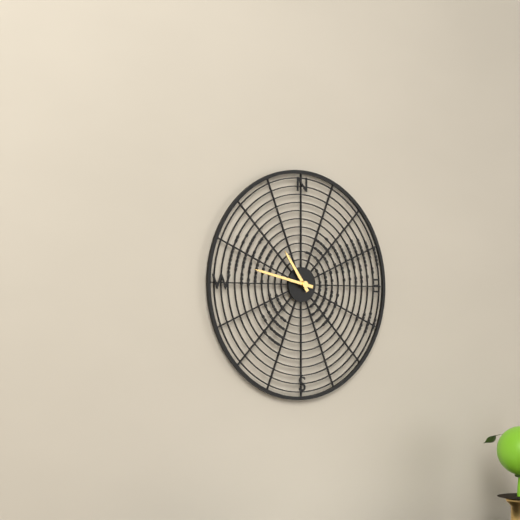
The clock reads **10:47**
